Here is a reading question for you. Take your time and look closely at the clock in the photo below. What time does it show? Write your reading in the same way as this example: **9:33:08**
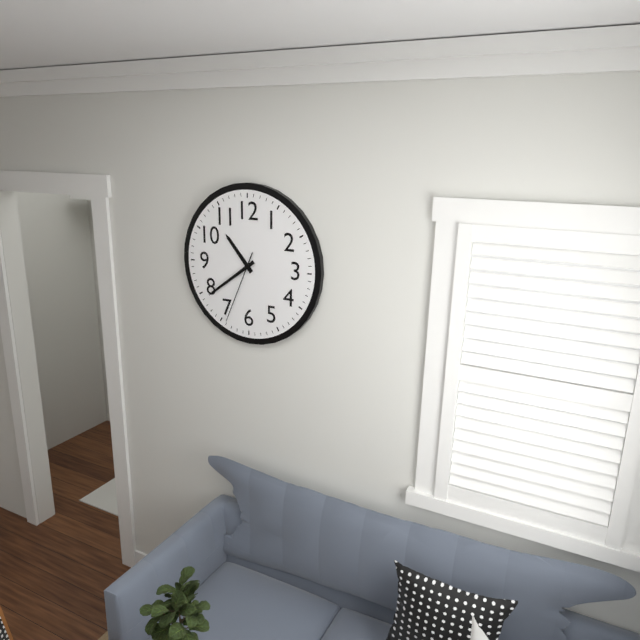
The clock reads **10:39:34**
